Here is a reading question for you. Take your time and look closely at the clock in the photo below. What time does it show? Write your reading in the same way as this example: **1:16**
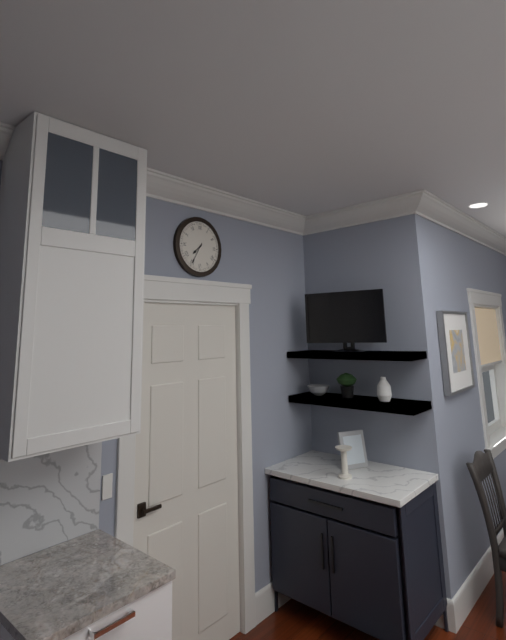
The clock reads **7:35**
